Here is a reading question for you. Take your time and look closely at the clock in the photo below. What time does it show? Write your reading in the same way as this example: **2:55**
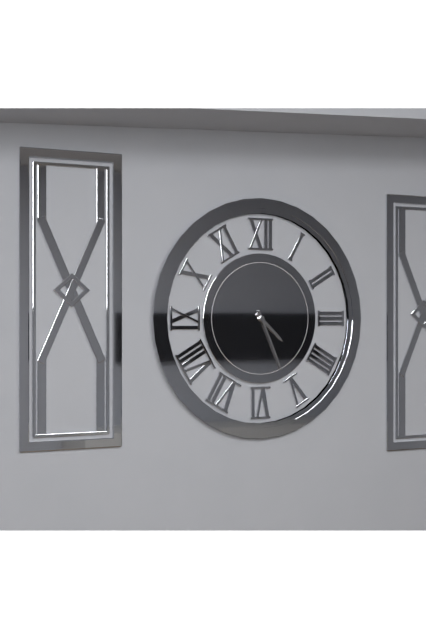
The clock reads **4:26**
